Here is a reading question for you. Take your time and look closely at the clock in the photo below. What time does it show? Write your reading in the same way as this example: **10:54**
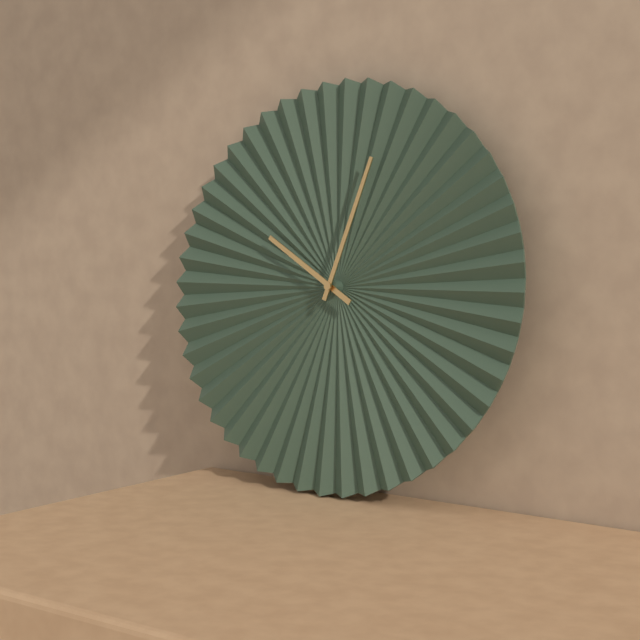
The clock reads **10:03**
